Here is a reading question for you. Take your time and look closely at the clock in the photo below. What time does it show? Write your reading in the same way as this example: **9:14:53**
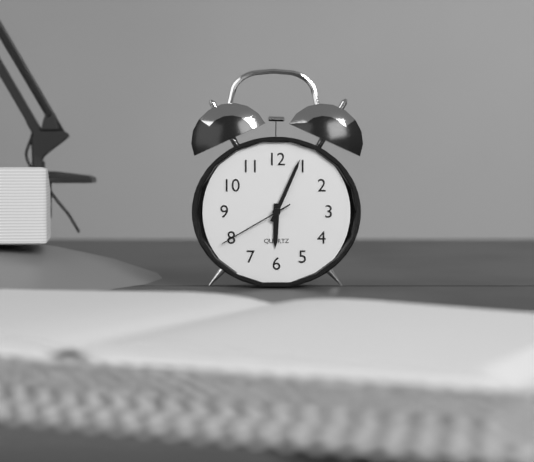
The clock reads **6:04:40**
